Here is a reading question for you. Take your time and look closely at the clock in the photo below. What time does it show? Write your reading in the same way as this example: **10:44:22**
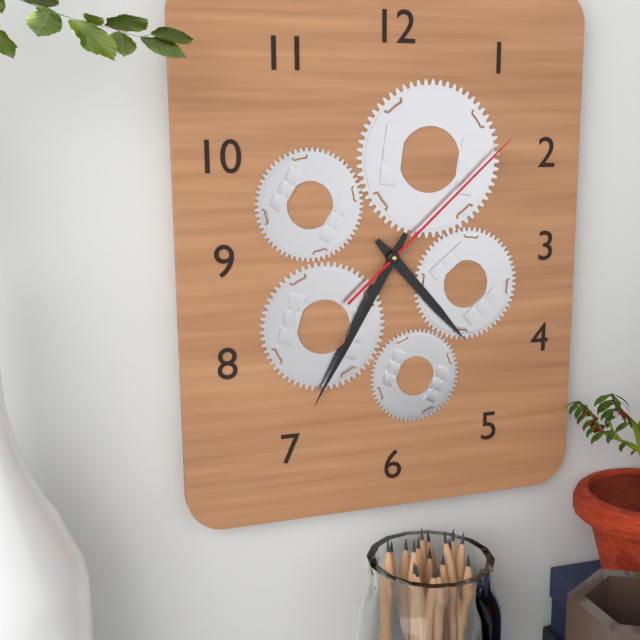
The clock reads **4:35:08**
